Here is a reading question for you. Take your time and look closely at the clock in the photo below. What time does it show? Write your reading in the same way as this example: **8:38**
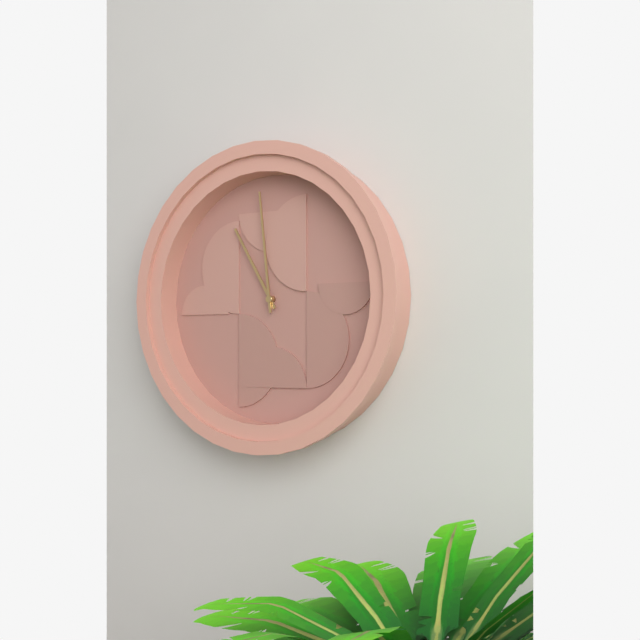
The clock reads **10:59**
